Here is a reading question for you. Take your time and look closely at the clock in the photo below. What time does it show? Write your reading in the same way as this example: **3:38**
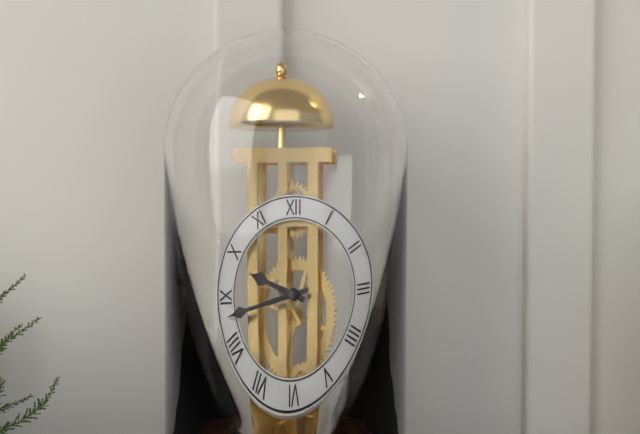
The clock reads **9:43**
